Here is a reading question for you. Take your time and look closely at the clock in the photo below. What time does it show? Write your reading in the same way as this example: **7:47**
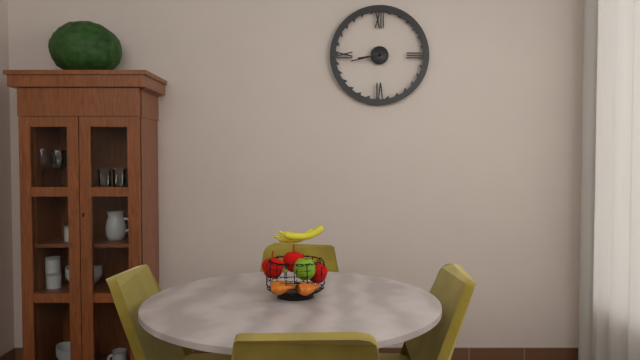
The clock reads **8:43**
